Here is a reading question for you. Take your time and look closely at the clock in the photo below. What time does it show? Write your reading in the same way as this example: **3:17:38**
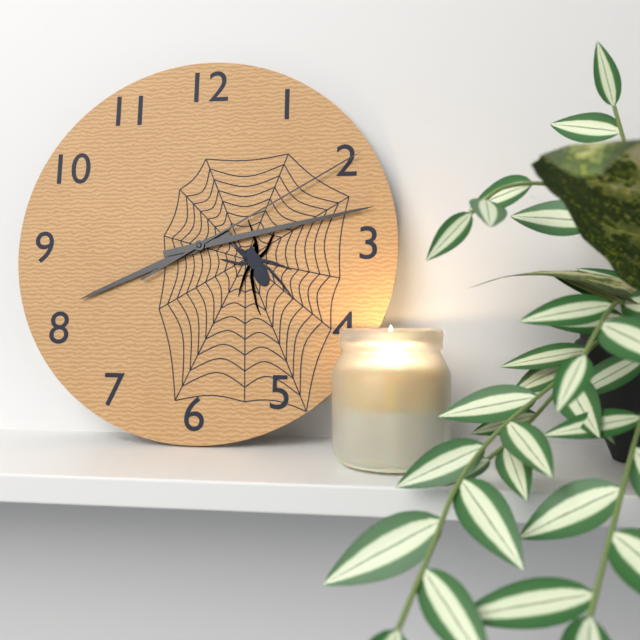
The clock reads **8:13:10**
